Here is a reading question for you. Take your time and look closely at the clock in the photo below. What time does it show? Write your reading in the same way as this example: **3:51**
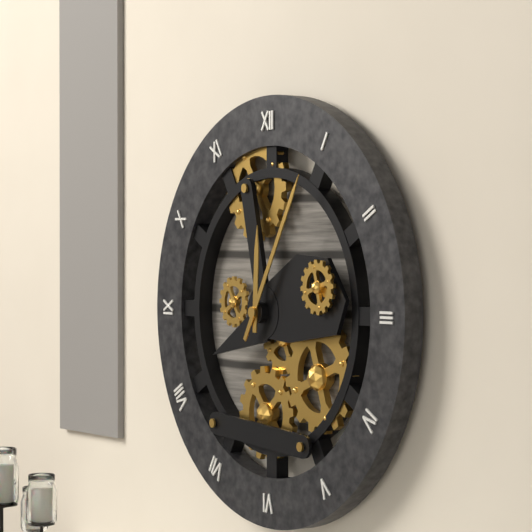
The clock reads **12:05**
